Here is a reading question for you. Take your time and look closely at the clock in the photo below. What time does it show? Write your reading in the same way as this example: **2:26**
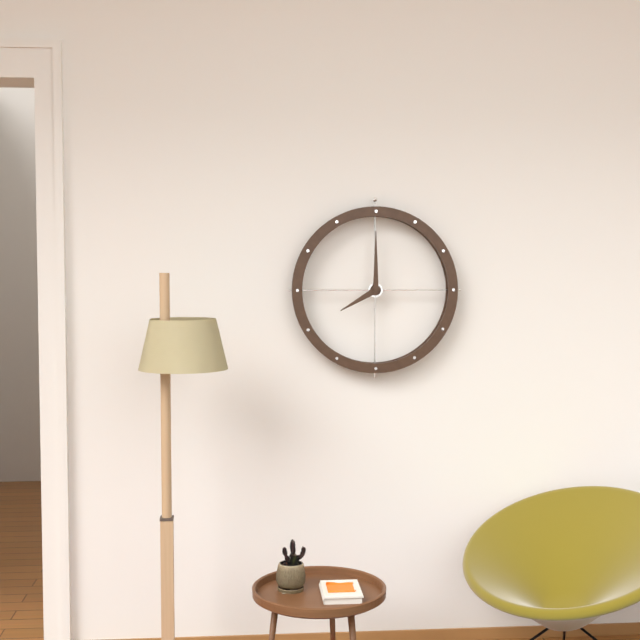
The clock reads **8:00**
